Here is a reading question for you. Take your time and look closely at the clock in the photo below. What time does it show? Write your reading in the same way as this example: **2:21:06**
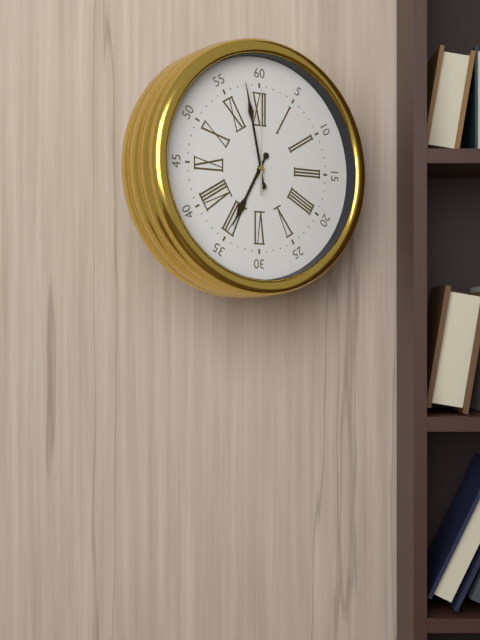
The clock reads **6:58:00**
